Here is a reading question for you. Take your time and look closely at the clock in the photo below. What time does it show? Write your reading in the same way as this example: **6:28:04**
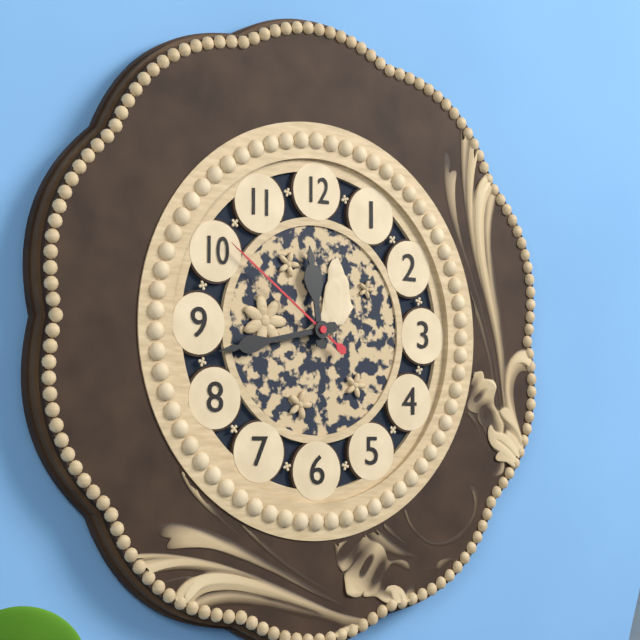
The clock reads **11:43:51**
